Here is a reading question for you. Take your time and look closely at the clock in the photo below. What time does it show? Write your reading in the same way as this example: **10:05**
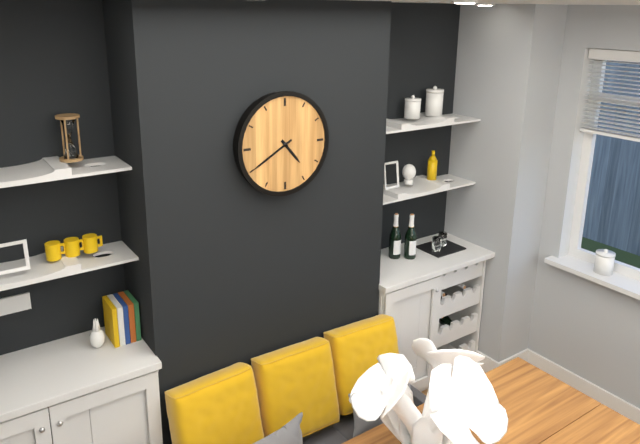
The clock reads **4:40**
